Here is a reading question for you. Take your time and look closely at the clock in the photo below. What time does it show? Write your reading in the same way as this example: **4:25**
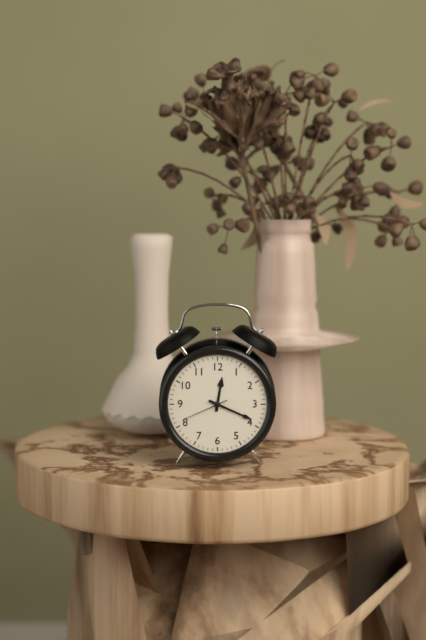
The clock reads **12:19**
